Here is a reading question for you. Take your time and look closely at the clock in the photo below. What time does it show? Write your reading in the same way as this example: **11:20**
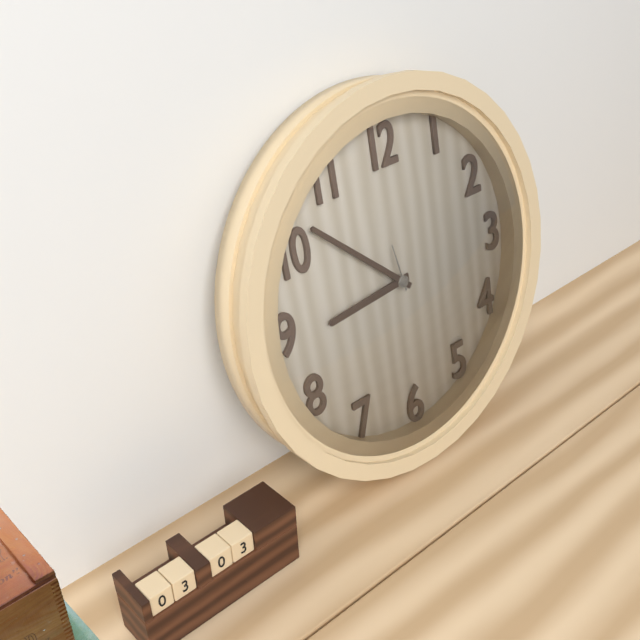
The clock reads **8:52**
